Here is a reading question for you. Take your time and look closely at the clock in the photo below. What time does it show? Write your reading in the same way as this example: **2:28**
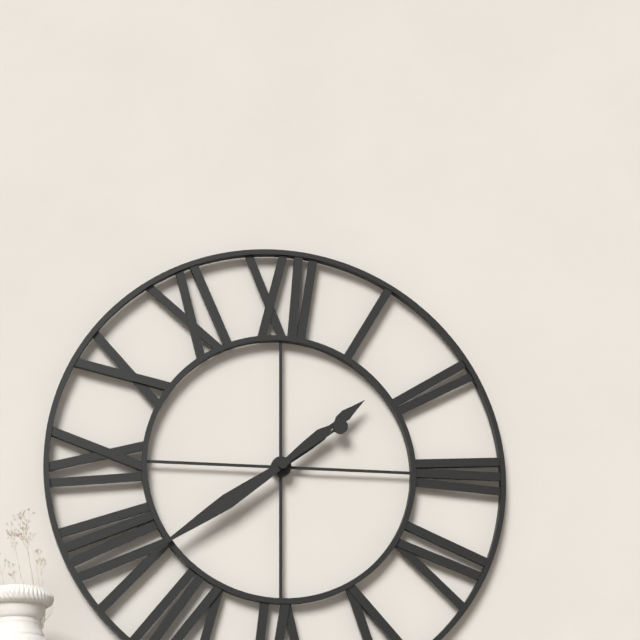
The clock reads **1:39**
